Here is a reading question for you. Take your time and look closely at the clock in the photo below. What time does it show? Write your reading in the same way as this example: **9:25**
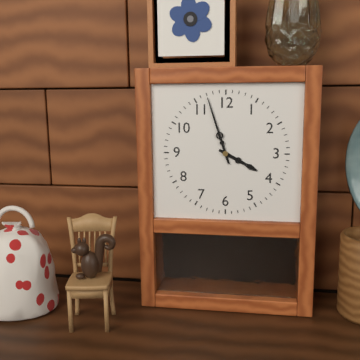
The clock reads **3:57**
